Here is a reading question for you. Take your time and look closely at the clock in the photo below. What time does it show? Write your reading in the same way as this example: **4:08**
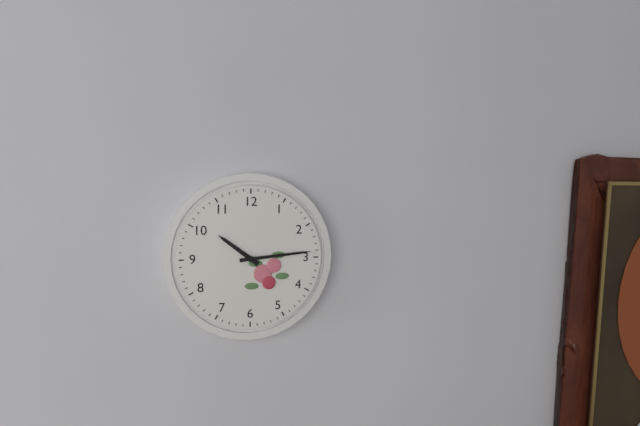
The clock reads **10:14**
